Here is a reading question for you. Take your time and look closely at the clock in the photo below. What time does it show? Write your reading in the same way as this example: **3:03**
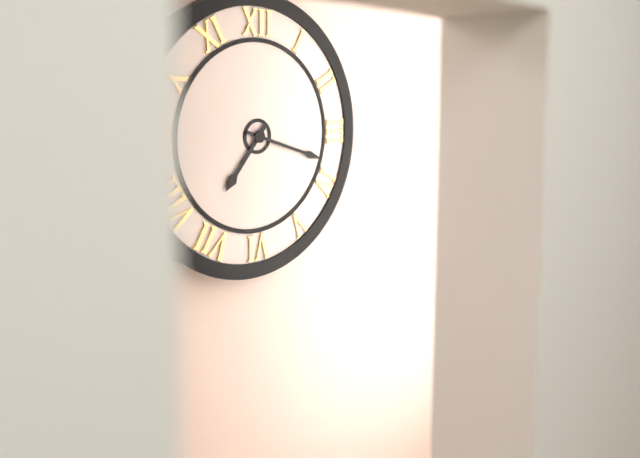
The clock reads **7:18**
